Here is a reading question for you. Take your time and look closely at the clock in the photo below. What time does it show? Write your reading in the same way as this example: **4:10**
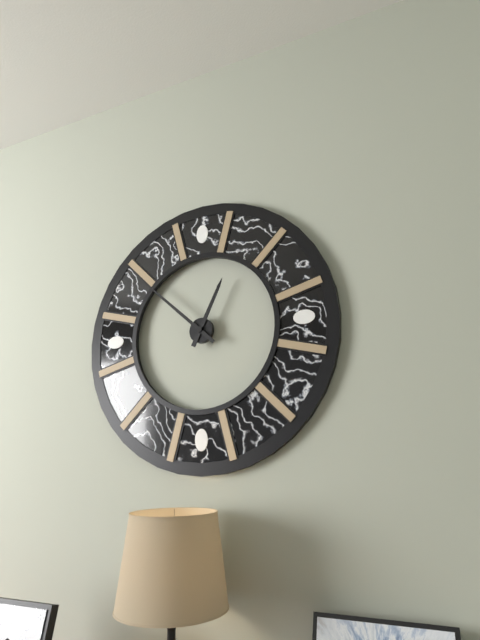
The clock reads **12:52**
